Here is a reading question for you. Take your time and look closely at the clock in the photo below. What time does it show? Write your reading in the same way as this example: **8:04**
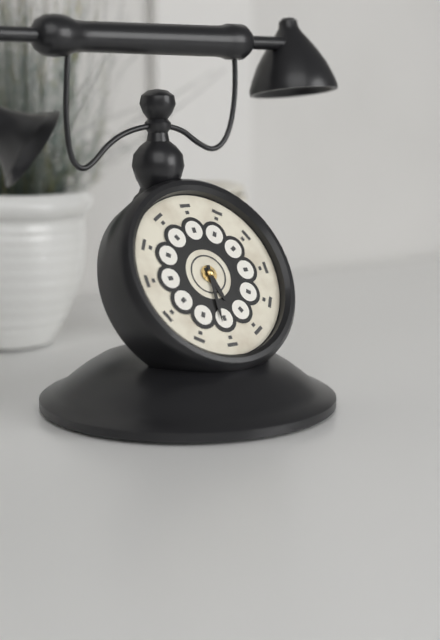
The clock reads **5:31**
